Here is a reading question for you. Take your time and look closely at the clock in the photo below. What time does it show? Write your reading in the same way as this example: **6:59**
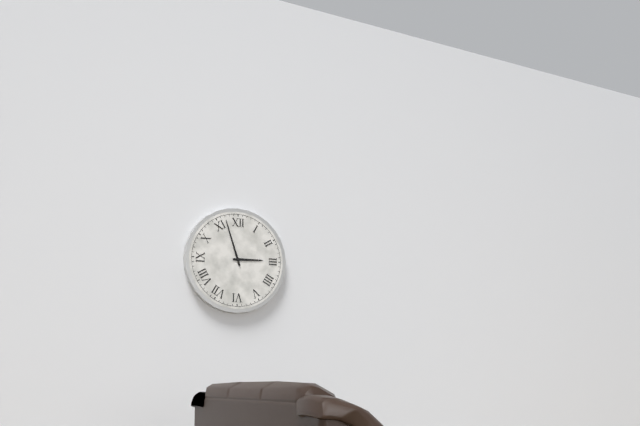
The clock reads **2:57**
